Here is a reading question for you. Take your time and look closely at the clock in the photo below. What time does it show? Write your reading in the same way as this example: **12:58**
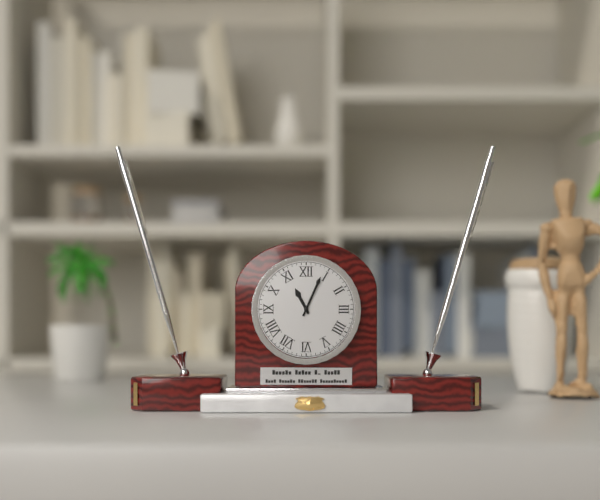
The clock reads **11:04**
